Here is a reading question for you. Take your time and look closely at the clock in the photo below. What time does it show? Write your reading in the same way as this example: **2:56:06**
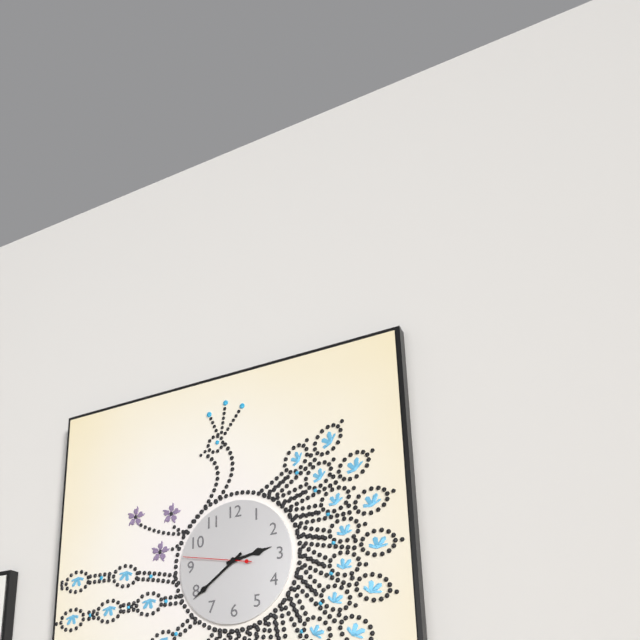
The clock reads **2:39:47**
